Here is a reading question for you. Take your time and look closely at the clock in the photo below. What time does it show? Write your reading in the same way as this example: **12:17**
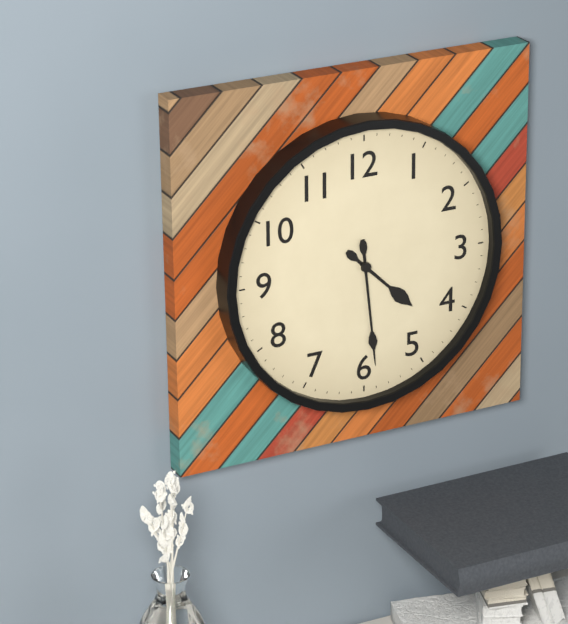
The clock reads **4:29**
